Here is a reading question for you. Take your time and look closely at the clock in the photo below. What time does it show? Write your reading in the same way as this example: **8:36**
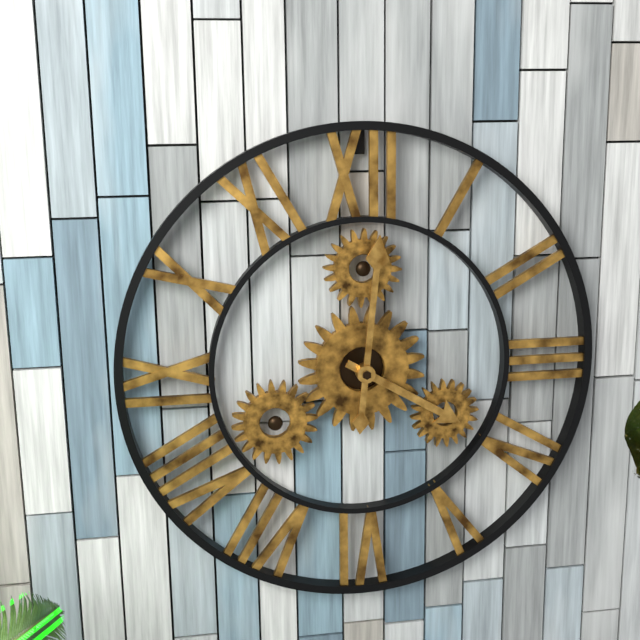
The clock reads **4:01**
